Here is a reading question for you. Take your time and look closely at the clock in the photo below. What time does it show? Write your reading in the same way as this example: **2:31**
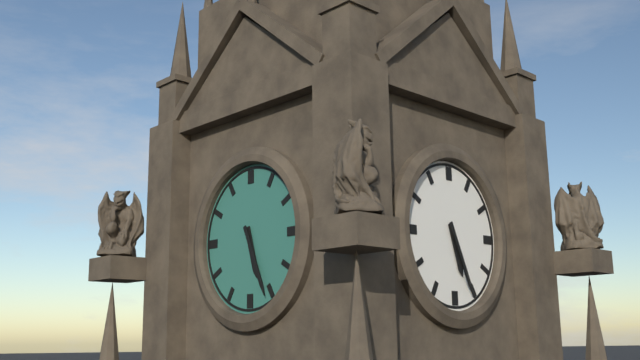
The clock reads **5:26**
